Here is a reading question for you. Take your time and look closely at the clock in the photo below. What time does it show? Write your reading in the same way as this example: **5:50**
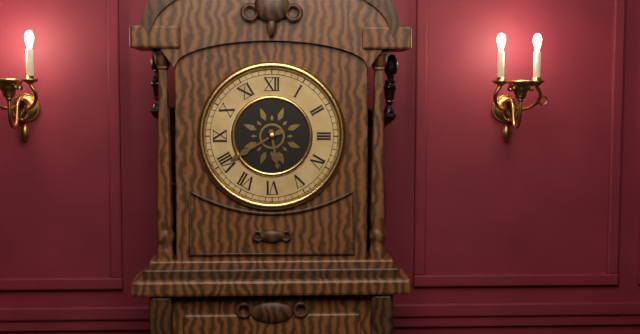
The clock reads **5:40**
